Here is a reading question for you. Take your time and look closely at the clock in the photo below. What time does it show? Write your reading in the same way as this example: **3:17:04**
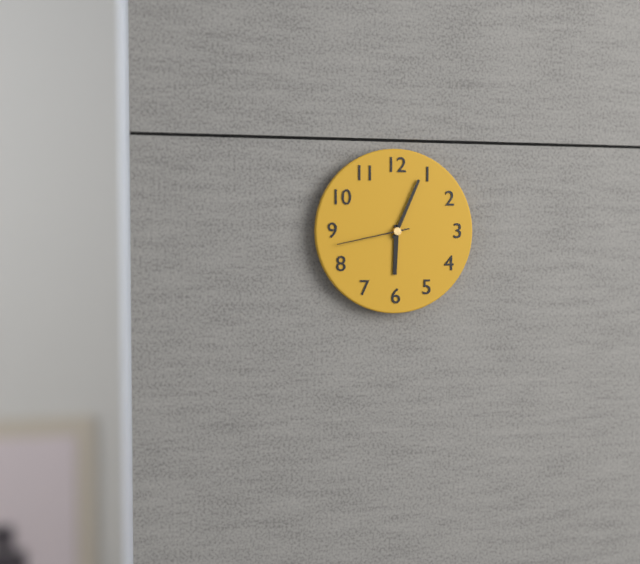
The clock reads **6:04:43**
